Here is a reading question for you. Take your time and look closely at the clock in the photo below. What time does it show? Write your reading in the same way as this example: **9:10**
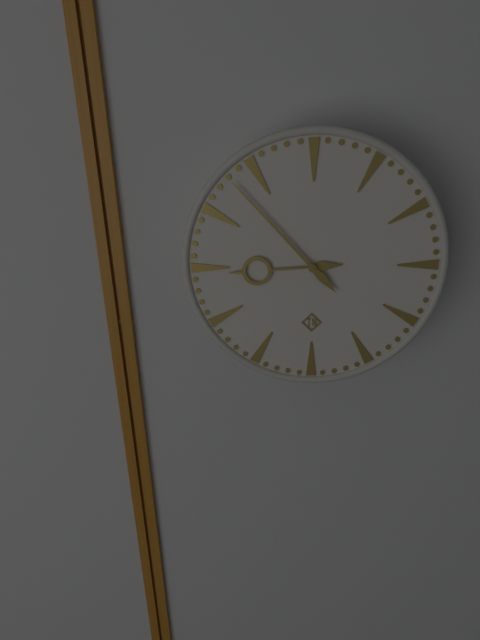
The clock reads **8:53**
